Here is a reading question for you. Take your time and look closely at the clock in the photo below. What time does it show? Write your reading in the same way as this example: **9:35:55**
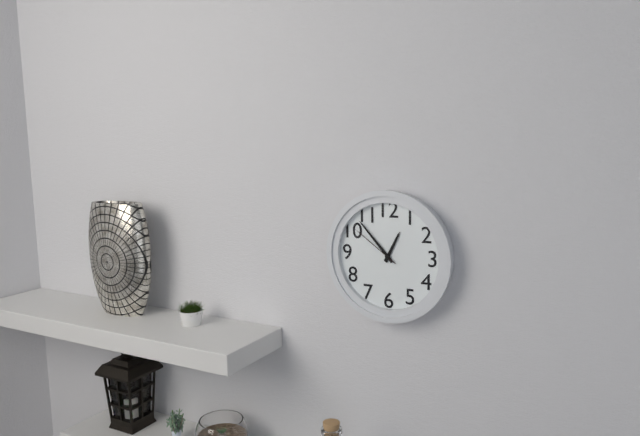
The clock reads **12:53:51**
